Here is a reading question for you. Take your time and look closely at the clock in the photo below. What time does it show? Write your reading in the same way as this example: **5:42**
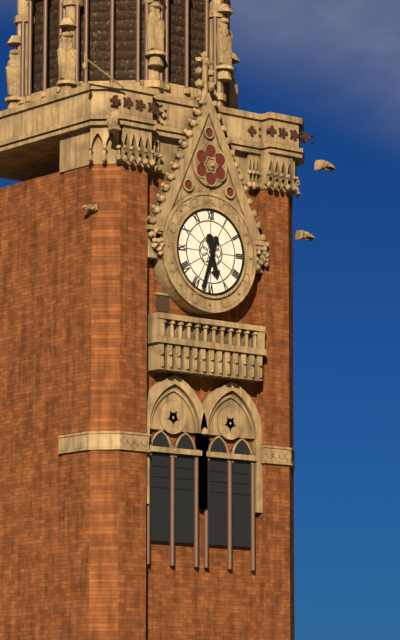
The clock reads **5:33**
